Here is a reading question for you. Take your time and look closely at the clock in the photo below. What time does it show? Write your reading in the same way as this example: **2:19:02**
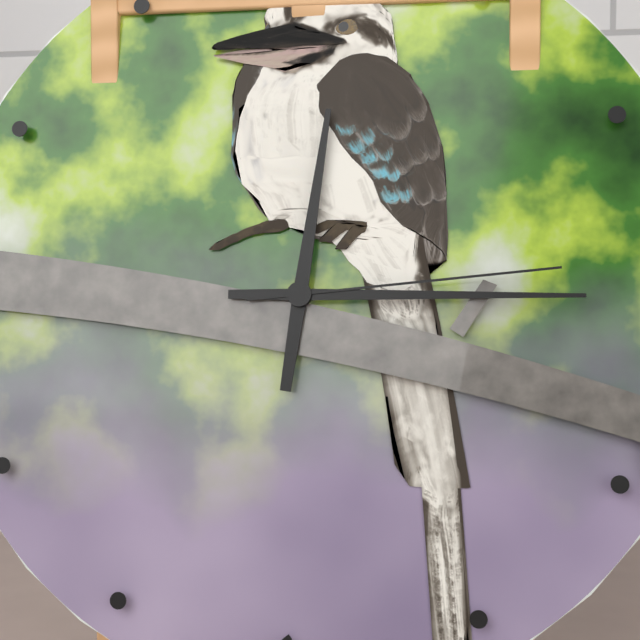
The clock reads **12:15:14**
